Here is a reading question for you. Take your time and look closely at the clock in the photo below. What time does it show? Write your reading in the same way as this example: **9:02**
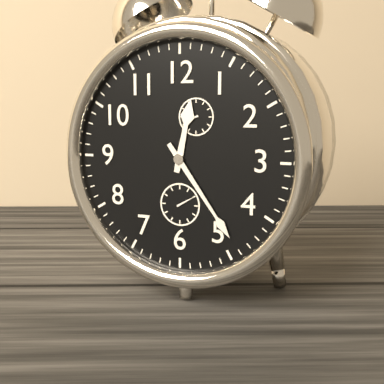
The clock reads **12:24**
